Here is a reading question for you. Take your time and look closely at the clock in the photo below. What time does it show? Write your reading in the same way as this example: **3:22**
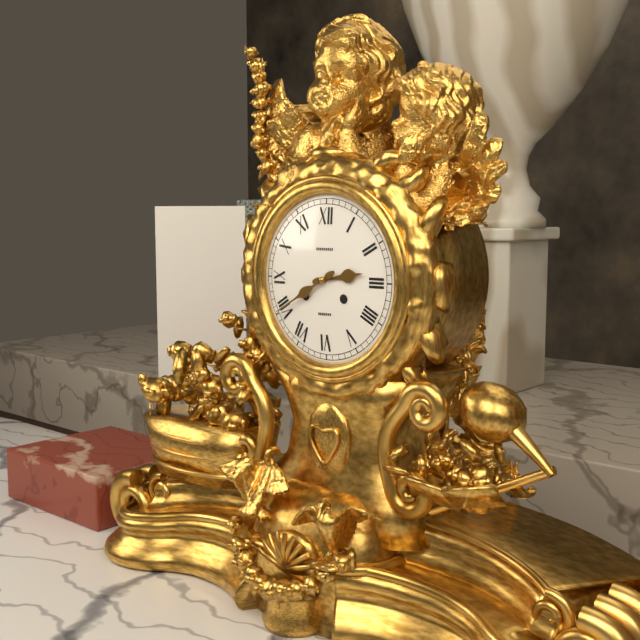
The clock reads **2:40**
